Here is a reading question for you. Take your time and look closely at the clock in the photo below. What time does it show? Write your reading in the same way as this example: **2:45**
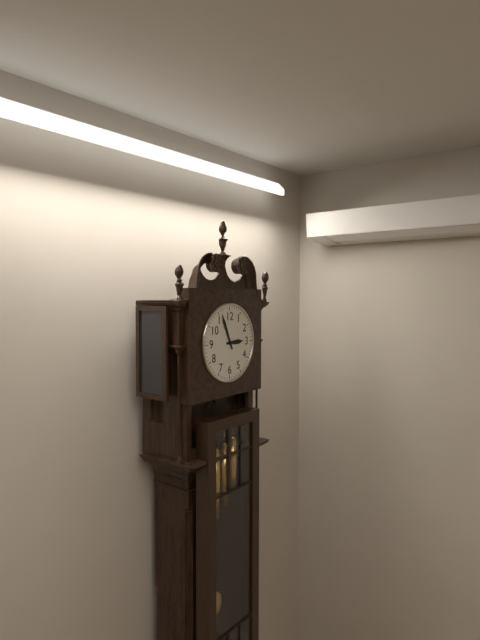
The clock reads **2:56**
